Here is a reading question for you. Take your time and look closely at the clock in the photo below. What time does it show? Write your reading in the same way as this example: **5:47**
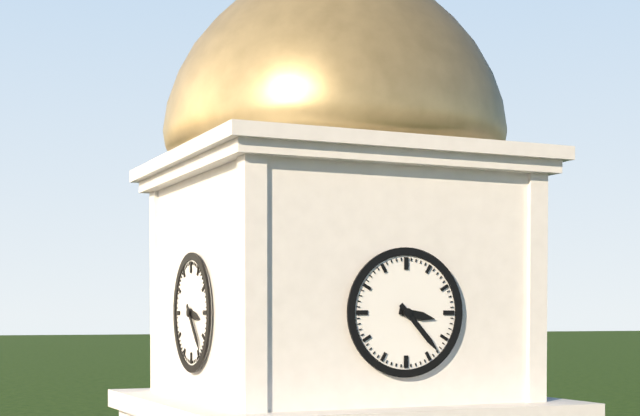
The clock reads **3:23**
